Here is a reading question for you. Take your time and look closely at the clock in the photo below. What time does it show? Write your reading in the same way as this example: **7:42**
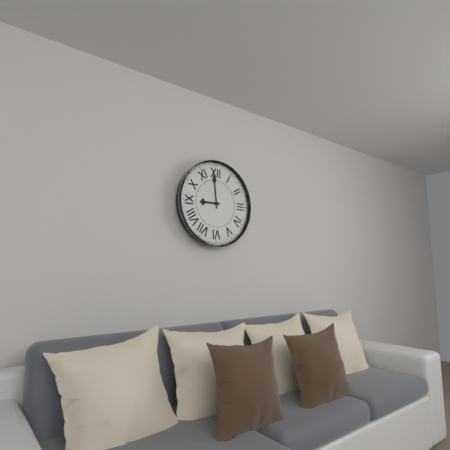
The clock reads **8:59**
